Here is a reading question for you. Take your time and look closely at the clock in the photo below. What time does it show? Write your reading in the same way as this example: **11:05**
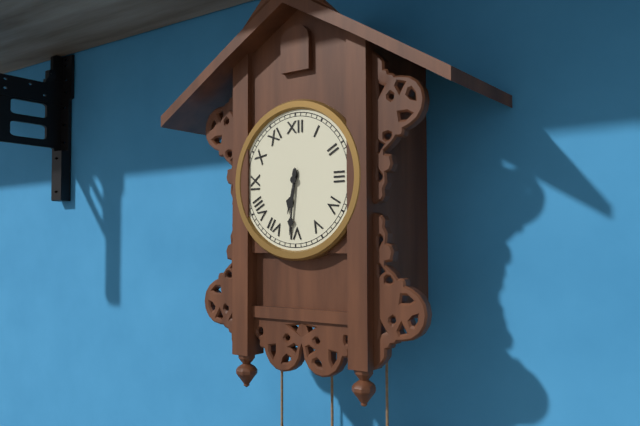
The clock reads **6:31**
